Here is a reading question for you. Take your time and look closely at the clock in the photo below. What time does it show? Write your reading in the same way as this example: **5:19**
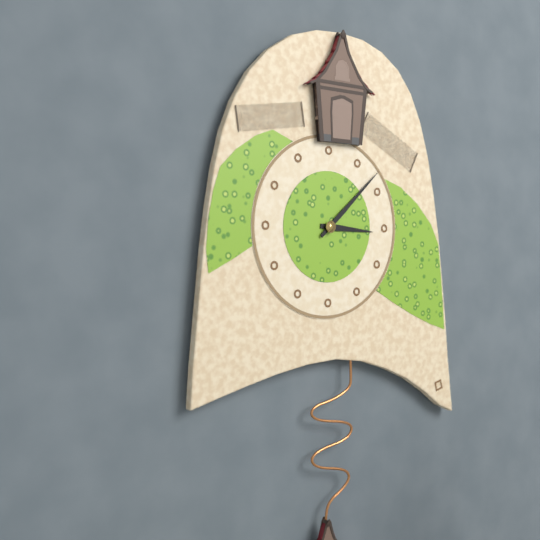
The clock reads **3:08**
